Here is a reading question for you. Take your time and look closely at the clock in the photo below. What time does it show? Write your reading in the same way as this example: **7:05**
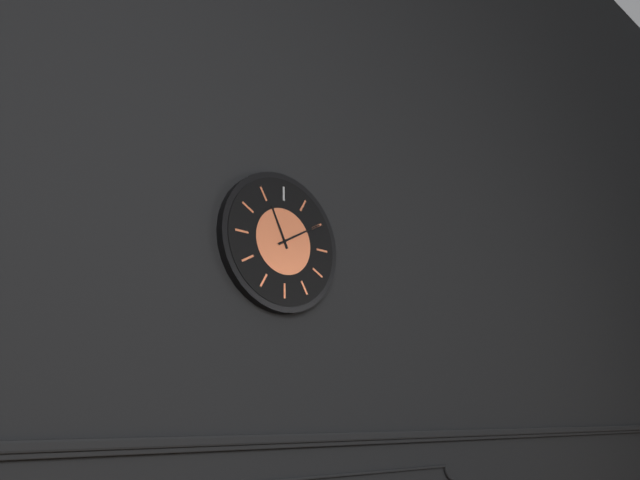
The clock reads **11:10**
